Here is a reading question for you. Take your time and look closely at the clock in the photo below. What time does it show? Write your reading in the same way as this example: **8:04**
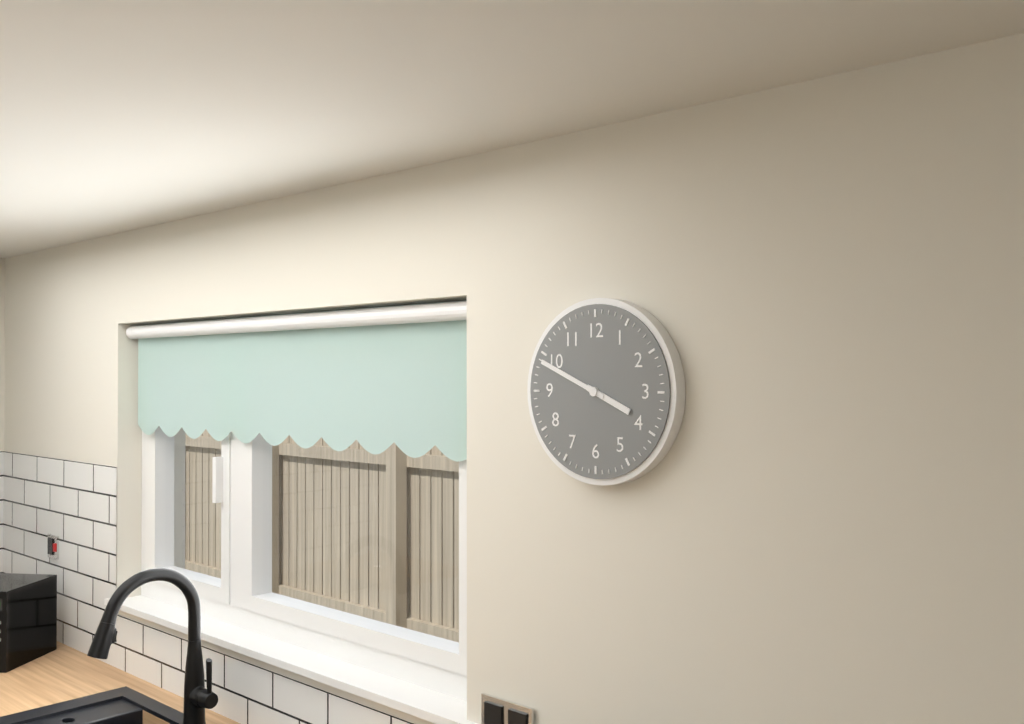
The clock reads **3:49**
